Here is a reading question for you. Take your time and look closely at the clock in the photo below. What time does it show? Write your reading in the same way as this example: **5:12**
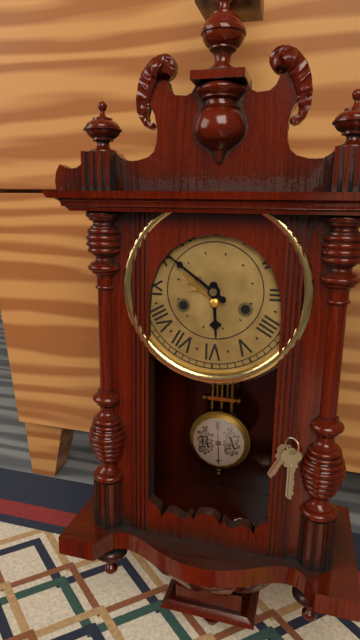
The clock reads **5:51**
